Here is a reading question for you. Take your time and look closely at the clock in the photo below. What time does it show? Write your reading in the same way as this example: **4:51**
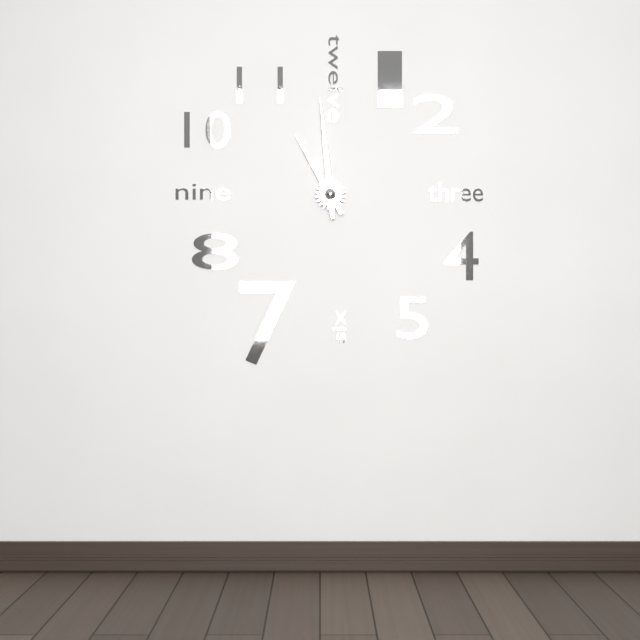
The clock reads **10:59**
